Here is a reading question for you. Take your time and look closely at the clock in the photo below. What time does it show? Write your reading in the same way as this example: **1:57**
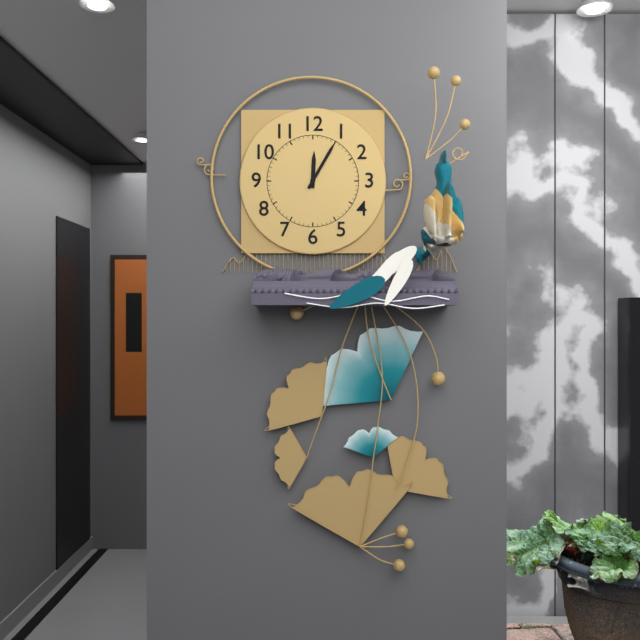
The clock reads **12:05**
